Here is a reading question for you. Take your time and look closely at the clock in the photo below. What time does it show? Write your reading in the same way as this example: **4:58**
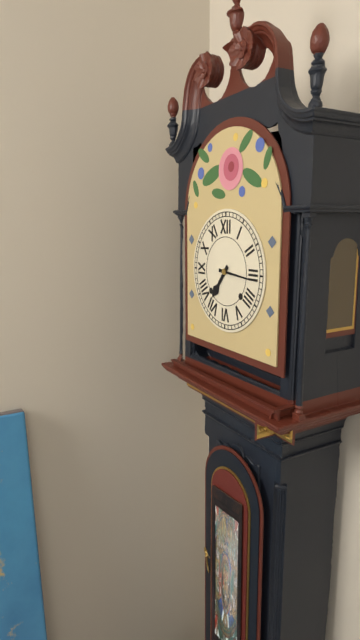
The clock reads **7:16**
